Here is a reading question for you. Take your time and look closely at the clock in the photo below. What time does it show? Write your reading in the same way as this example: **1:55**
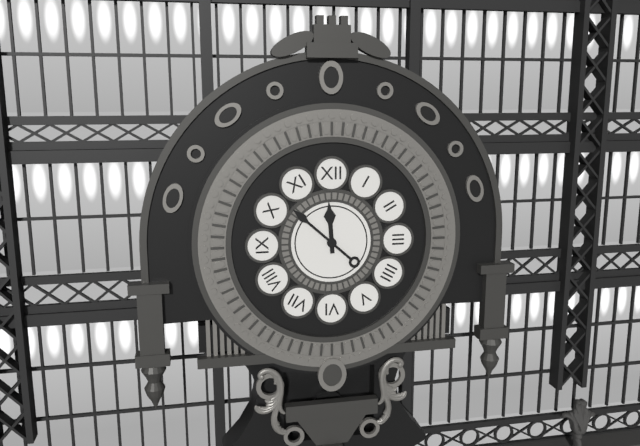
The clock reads **11:52**
